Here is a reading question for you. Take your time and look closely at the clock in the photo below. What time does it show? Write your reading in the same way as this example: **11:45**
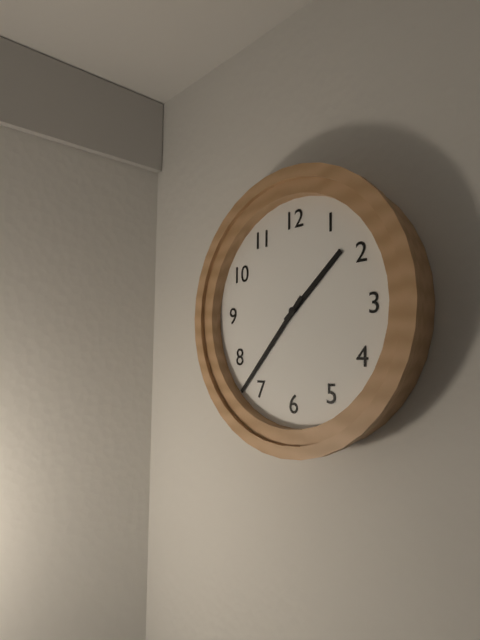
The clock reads **1:37**
